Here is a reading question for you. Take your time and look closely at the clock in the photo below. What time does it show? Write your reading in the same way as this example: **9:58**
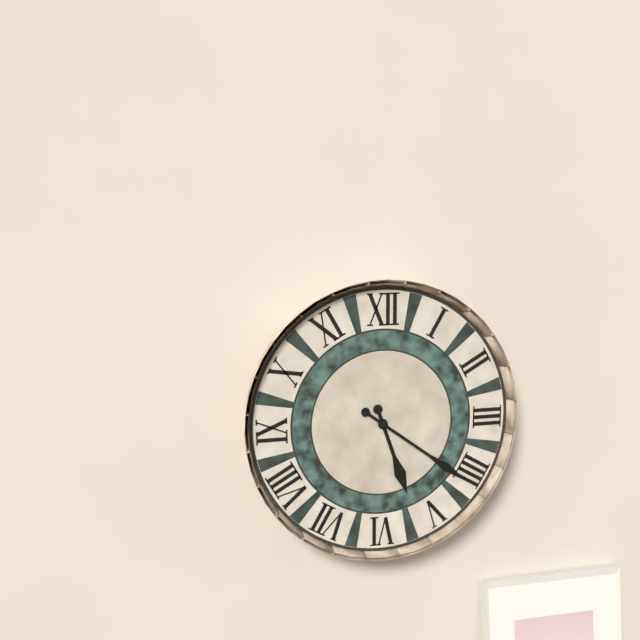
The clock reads **5:21**
